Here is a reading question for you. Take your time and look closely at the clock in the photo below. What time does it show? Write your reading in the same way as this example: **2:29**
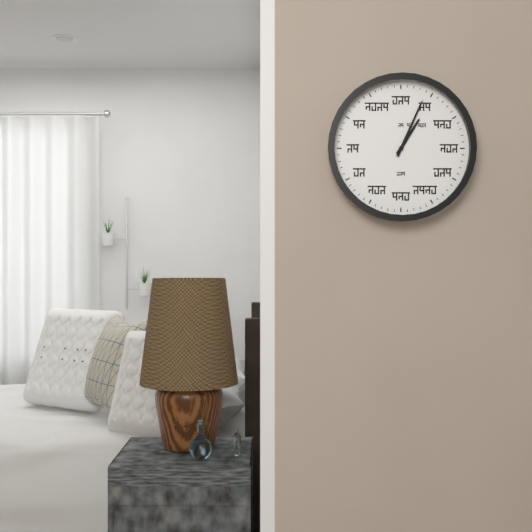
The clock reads **1:04**
